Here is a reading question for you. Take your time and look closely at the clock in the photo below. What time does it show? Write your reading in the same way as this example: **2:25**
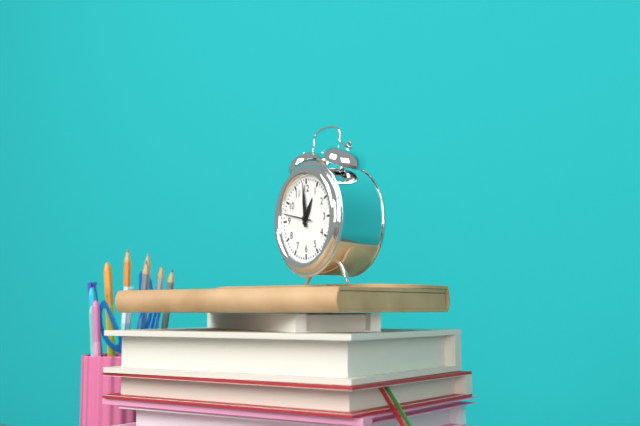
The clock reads **12:59**
